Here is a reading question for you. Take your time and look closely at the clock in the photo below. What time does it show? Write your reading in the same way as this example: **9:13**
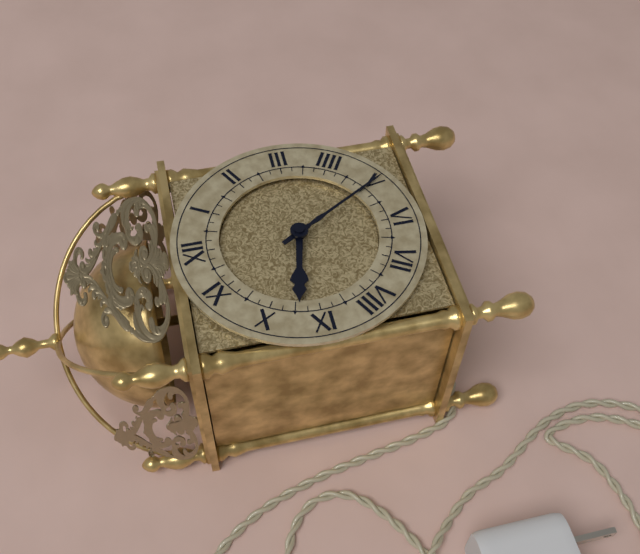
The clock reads **9:25**
